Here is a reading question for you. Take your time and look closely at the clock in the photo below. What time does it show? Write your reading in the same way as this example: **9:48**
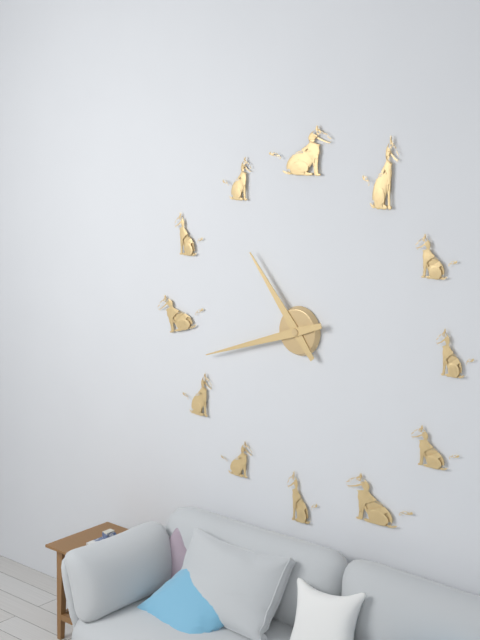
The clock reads **10:42**
